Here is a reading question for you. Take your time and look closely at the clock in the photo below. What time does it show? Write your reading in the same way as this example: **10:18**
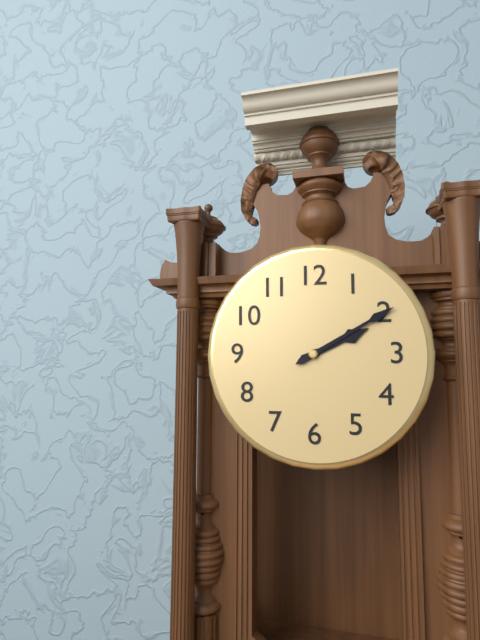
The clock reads **2:10**
